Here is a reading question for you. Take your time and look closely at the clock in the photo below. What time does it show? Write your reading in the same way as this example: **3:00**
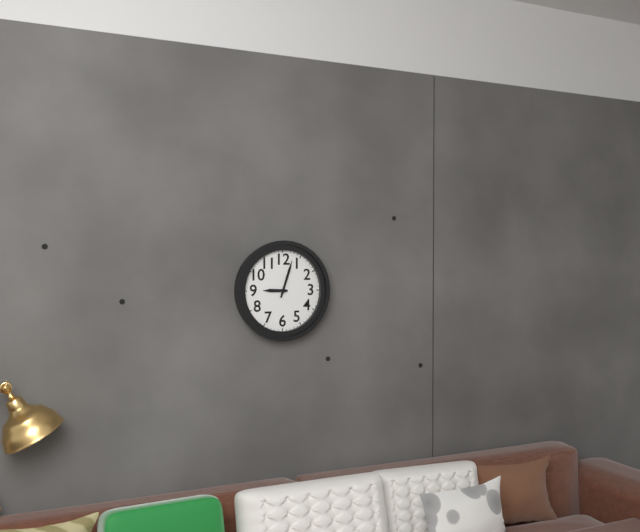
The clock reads **9:03**
